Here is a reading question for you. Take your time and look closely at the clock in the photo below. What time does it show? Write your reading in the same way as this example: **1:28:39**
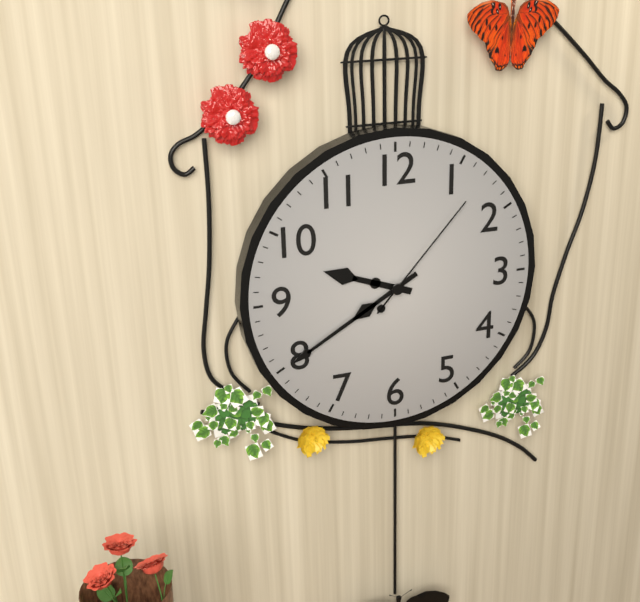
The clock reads **9:40:07**
